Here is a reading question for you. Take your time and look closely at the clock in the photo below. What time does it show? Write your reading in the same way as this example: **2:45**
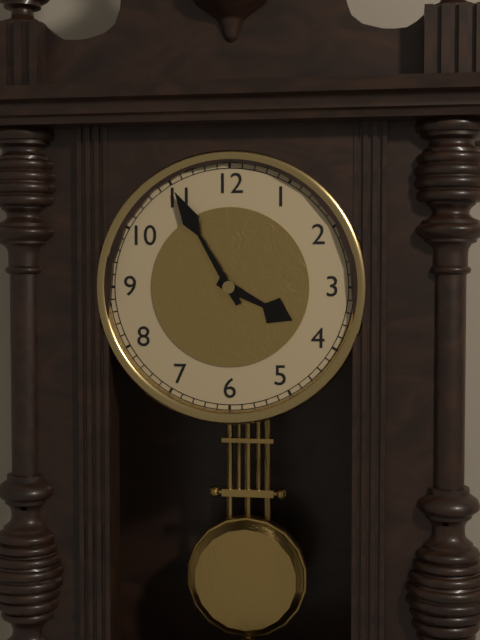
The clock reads **3:55**
